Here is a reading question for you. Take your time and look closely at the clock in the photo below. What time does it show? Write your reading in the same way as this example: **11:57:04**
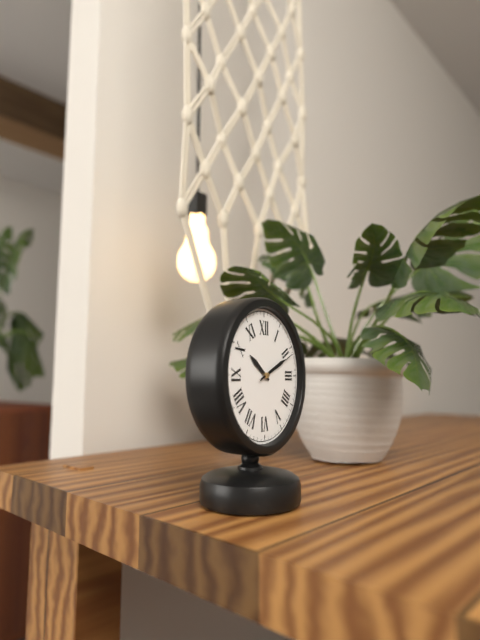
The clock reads **10:11:11**
